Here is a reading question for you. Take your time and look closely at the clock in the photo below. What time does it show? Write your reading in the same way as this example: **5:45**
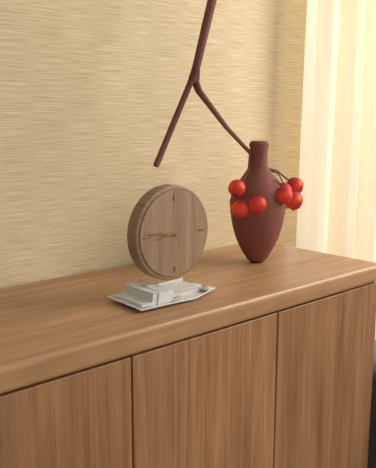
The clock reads **8:46**
